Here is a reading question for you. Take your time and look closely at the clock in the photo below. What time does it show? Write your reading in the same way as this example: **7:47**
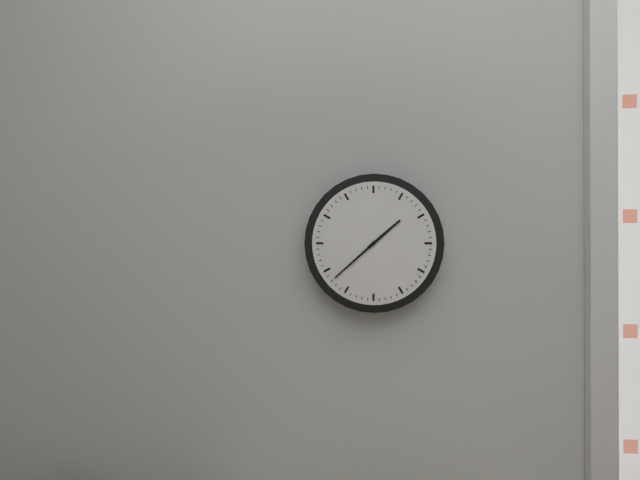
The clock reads **1:38**
